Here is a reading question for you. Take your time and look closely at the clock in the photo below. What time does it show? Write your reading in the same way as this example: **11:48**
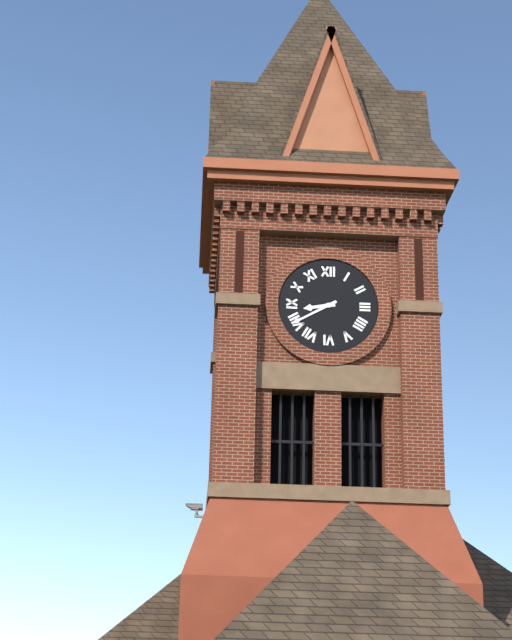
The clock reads **8:40**
